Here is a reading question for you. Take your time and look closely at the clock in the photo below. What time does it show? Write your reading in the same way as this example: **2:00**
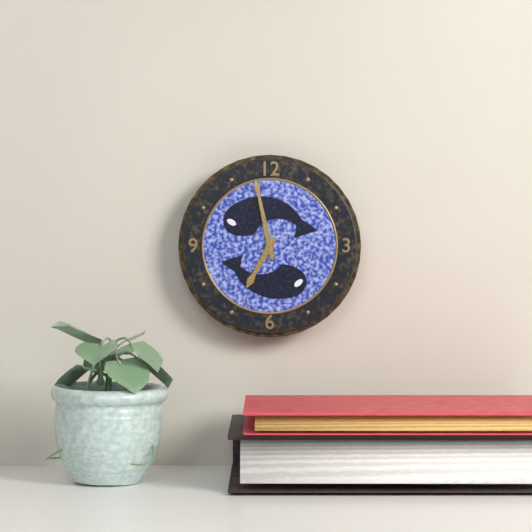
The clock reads **6:58**
